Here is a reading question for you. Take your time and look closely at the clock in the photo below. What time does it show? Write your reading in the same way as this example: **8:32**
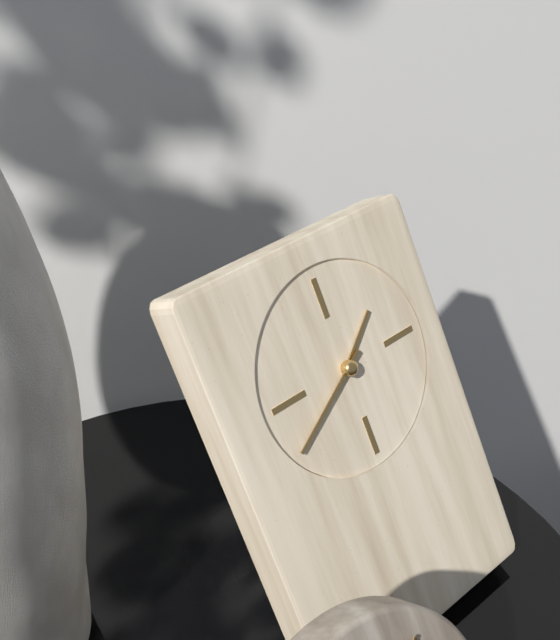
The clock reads **1:40**
